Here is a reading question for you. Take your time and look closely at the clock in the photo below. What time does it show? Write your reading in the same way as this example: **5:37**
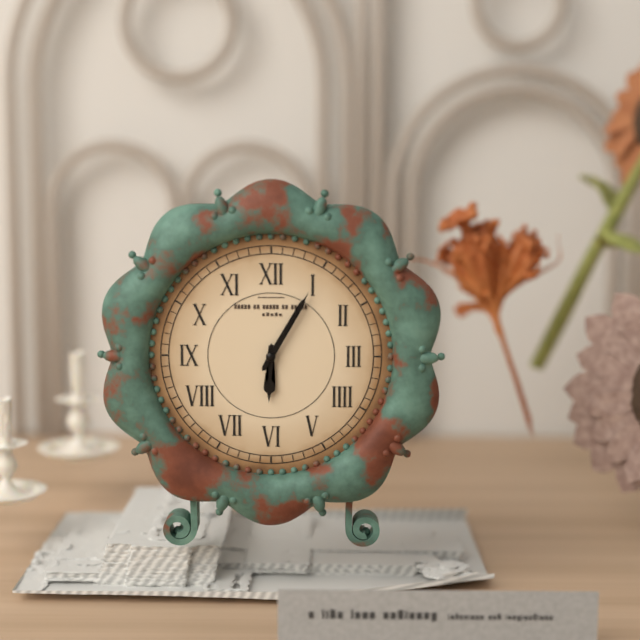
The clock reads **6:05**
